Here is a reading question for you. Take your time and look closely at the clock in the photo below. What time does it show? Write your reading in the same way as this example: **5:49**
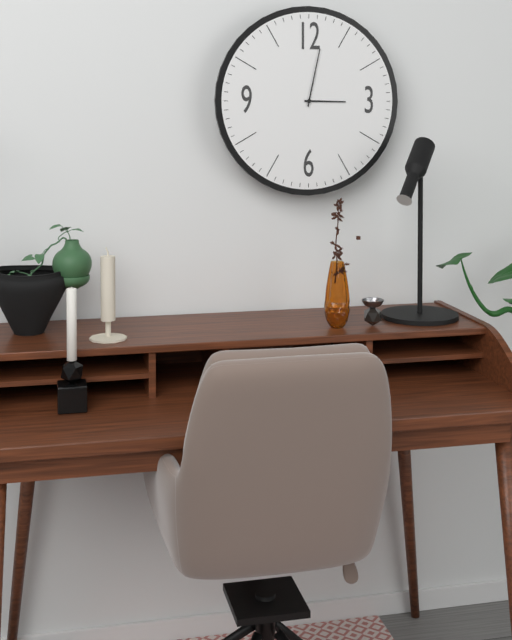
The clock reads **3:02**
